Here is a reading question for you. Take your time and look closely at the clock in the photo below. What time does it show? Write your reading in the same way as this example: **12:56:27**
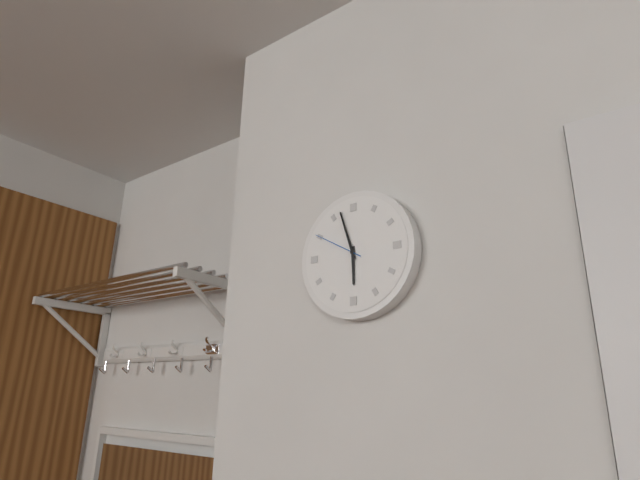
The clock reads **5:57:50**
